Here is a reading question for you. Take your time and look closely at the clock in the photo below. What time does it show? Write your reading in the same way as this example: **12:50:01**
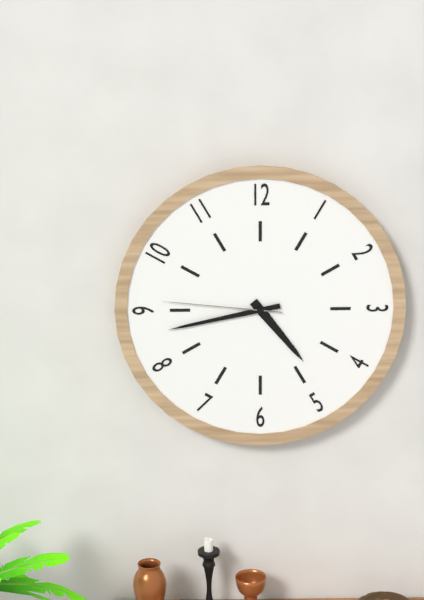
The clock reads **4:43:46**
